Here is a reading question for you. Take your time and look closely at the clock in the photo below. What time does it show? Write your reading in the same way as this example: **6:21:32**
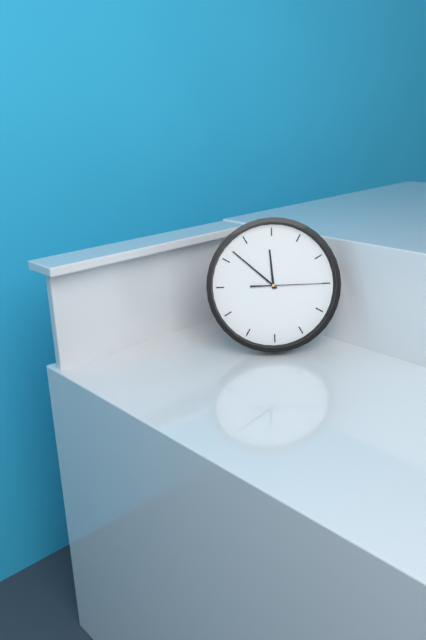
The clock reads **11:52:15**
